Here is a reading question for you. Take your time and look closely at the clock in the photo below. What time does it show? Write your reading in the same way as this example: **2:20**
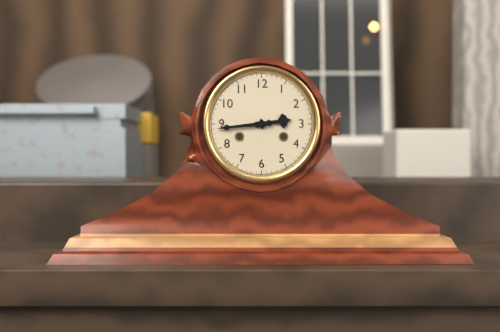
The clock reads **2:44**
